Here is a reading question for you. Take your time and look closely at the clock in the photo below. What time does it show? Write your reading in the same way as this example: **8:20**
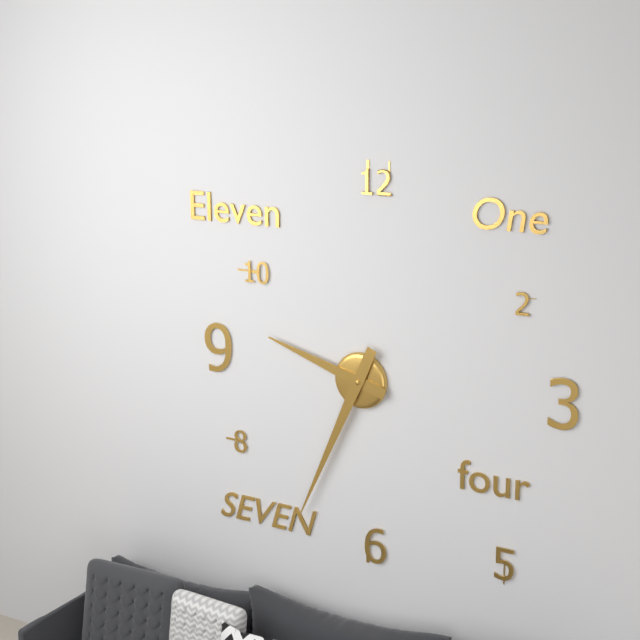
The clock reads **9:34**
